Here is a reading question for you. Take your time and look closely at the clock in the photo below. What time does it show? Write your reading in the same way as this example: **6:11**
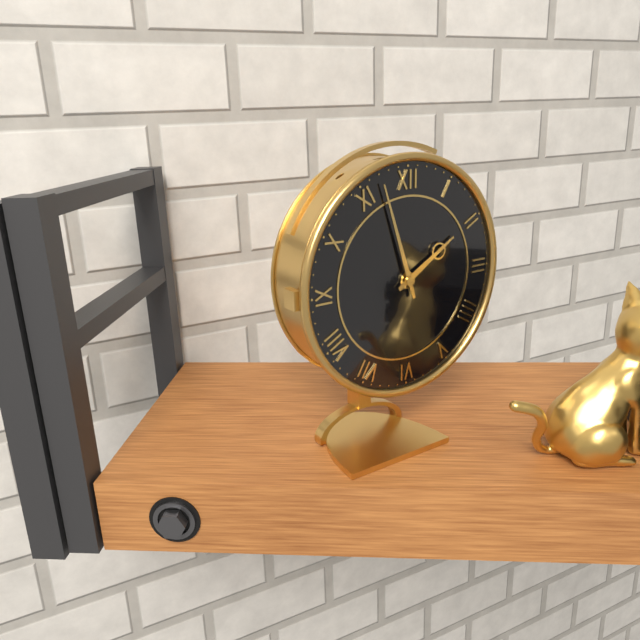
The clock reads **1:57**
